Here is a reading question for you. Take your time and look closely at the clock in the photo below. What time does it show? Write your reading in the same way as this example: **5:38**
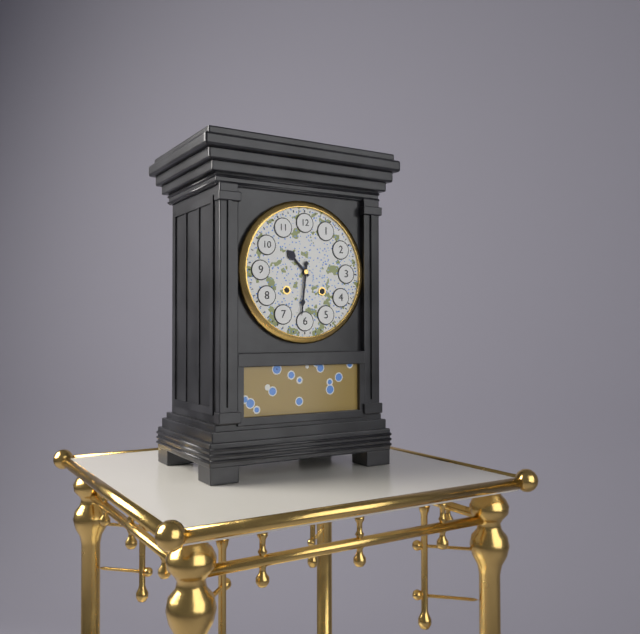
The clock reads **10:31**
